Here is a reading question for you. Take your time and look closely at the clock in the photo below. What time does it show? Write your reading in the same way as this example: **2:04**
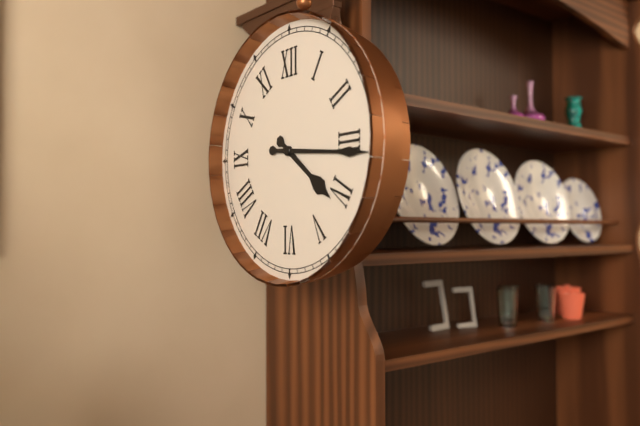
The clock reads **4:16**
